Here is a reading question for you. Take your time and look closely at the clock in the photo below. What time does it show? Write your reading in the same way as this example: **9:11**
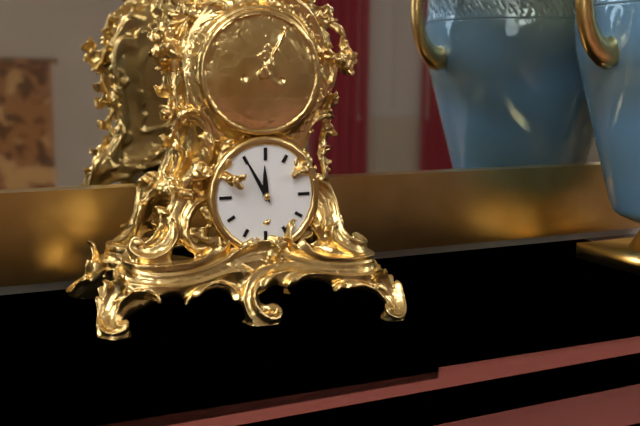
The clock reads **11:55**
